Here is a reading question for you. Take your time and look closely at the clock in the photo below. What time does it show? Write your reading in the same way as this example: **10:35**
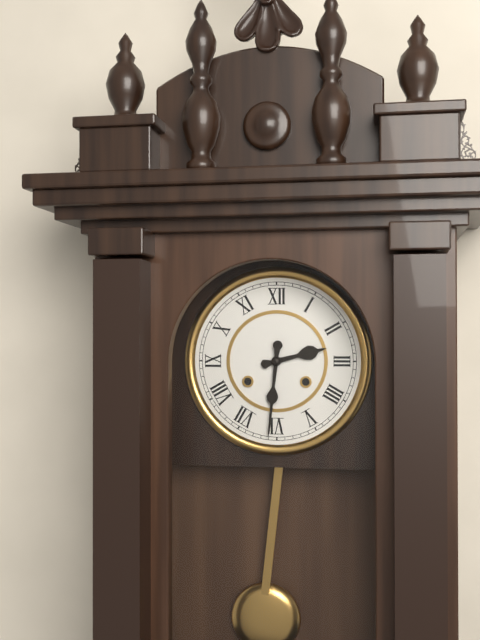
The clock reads **2:31**
